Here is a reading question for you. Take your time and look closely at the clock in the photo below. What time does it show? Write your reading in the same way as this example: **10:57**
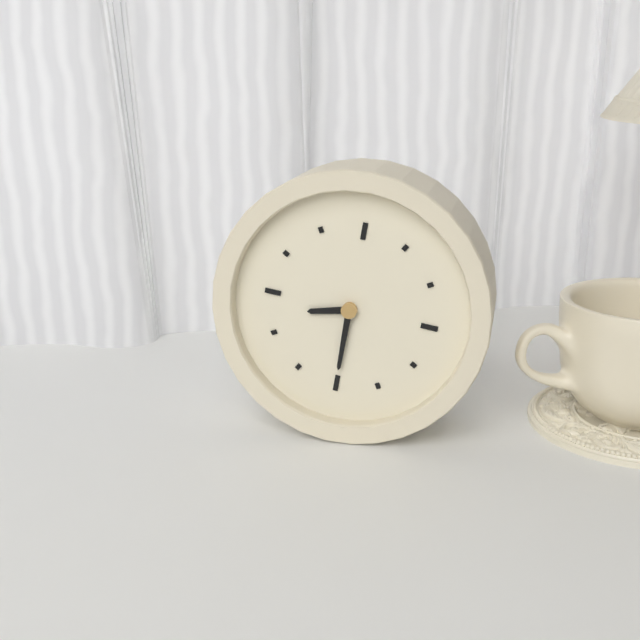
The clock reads **8:30**
